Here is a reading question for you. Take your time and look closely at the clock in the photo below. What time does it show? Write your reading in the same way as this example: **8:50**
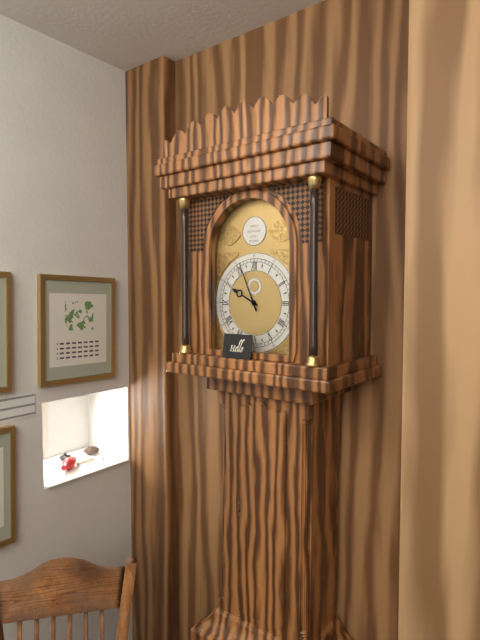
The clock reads **9:56**
